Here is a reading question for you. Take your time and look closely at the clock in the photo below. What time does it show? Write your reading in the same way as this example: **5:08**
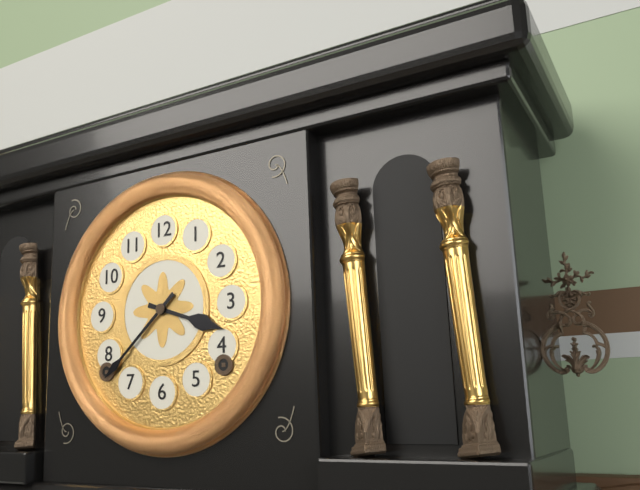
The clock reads **3:38**
